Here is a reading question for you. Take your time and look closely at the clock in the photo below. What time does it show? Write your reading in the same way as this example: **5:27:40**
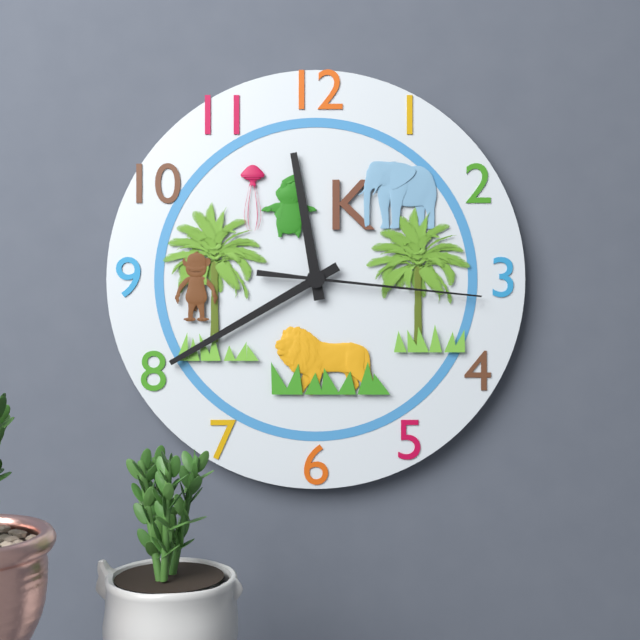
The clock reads **11:40:16**
